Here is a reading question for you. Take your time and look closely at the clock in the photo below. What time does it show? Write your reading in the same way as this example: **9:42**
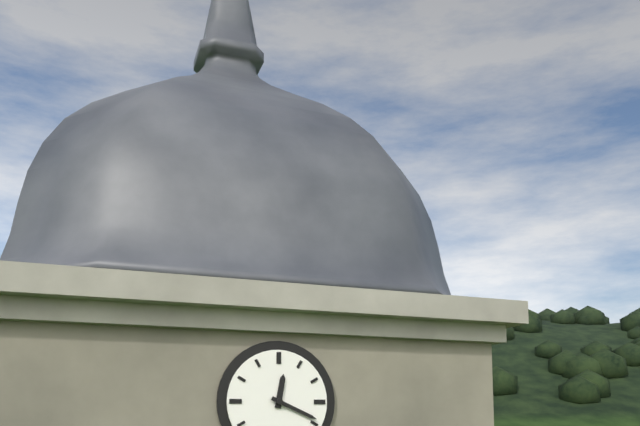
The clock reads **12:19**
